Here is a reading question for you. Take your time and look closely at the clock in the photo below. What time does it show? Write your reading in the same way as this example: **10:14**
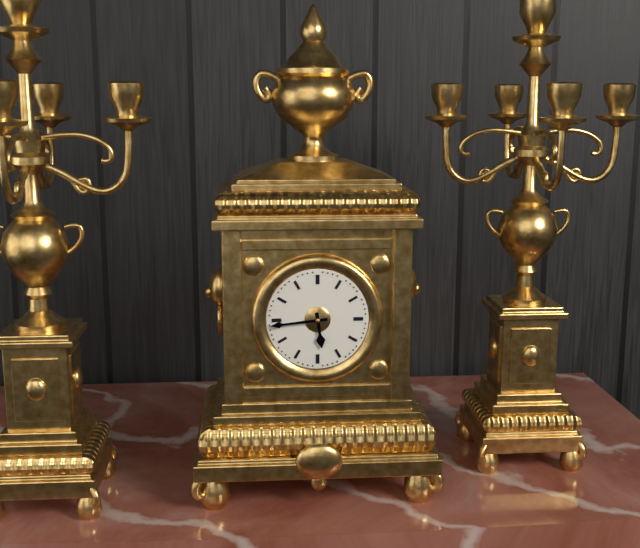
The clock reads **5:44**
